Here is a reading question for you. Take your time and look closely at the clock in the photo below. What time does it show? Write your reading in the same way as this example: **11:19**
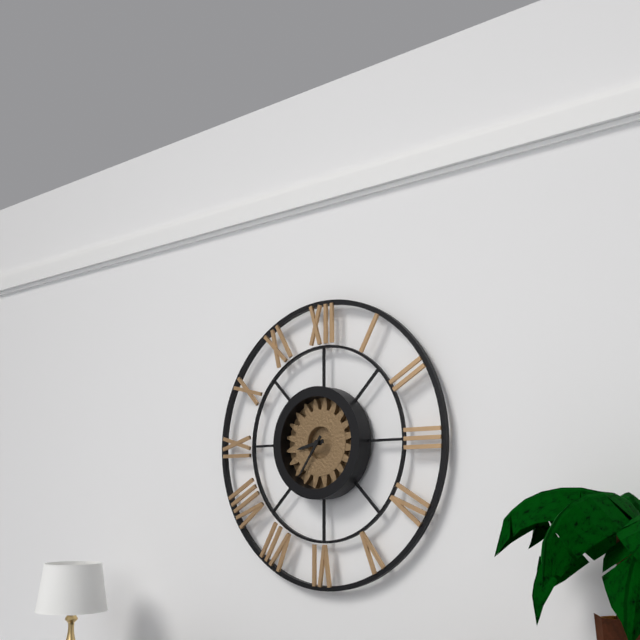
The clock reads **8:36**
